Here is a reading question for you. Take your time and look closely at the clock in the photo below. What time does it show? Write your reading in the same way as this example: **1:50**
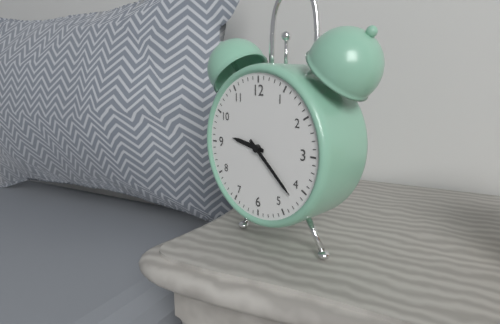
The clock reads **9:22**
